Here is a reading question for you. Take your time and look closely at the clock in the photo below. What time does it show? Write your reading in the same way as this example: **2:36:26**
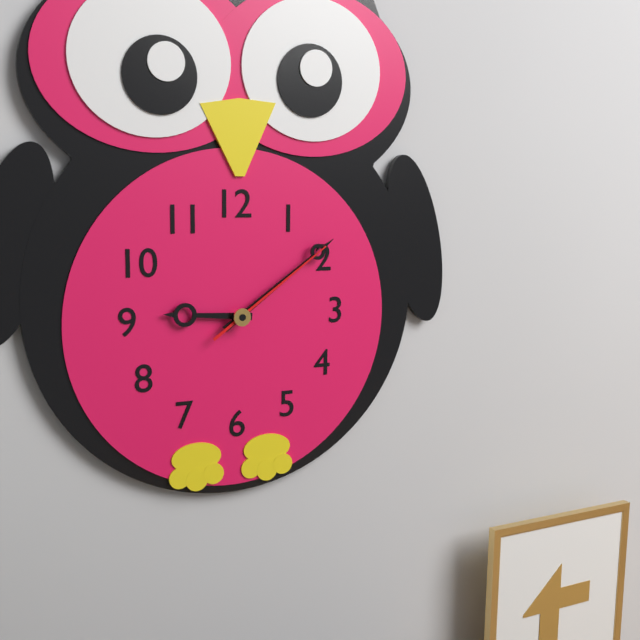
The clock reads **9:09:09**
